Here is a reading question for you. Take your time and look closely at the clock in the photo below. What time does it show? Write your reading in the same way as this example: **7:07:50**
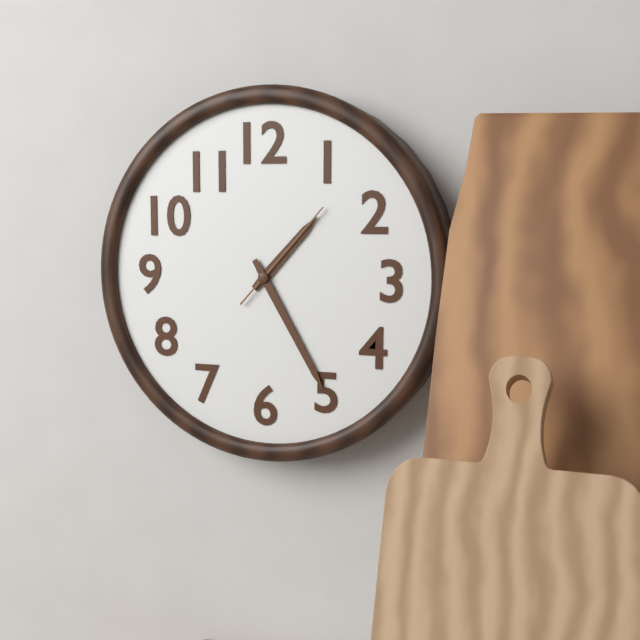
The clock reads **1:25:07**
